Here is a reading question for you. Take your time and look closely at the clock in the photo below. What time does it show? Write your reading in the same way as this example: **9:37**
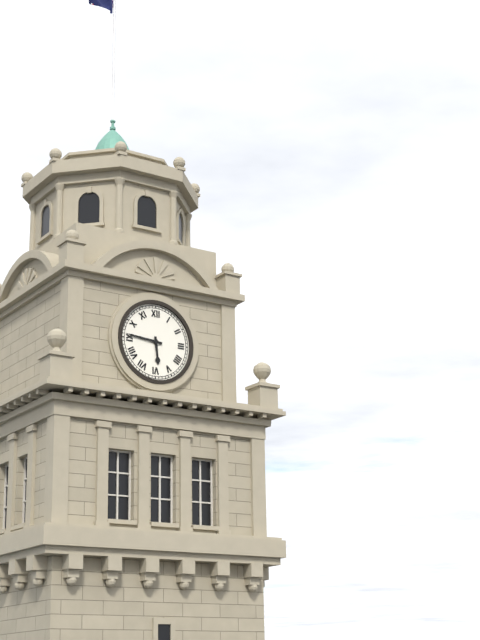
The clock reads **5:46**
